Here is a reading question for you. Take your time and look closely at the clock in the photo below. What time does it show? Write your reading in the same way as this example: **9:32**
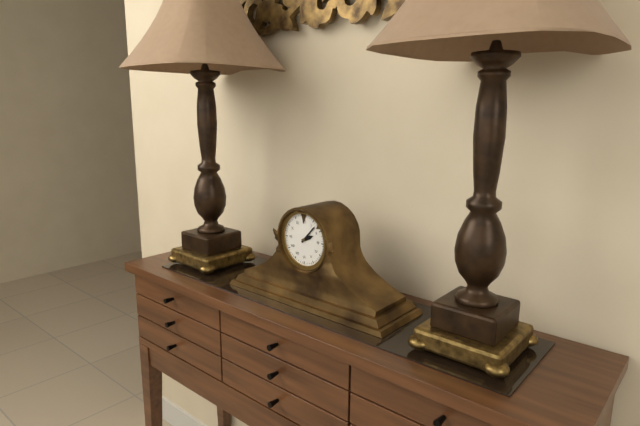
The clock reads **2:07**
